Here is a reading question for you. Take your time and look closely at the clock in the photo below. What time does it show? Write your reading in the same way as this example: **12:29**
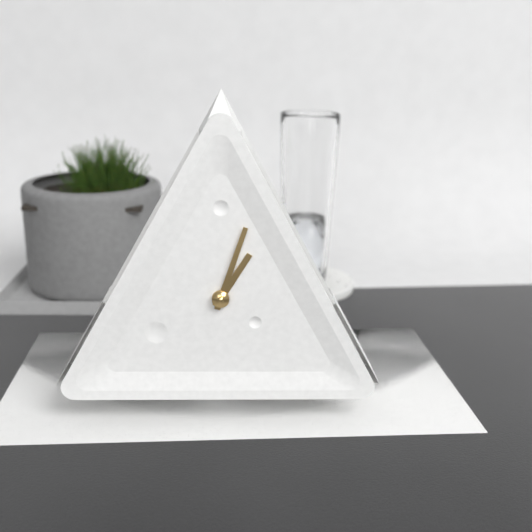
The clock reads **1:03**
